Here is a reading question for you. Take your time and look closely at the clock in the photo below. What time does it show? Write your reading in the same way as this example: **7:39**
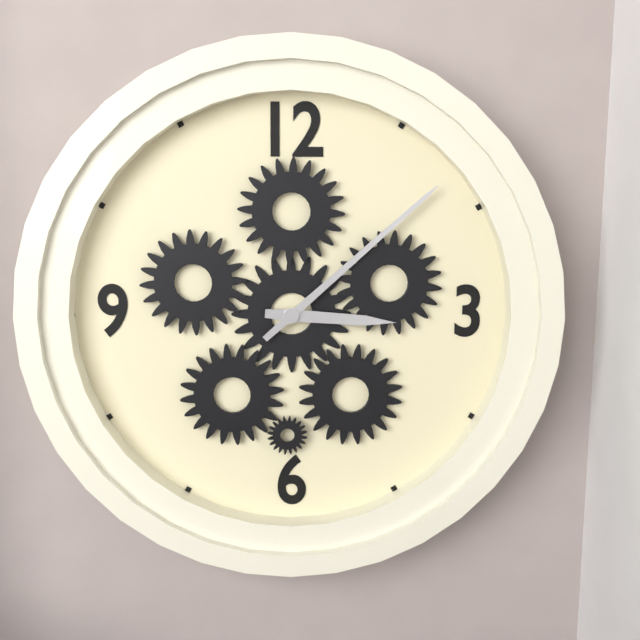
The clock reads **3:08**
